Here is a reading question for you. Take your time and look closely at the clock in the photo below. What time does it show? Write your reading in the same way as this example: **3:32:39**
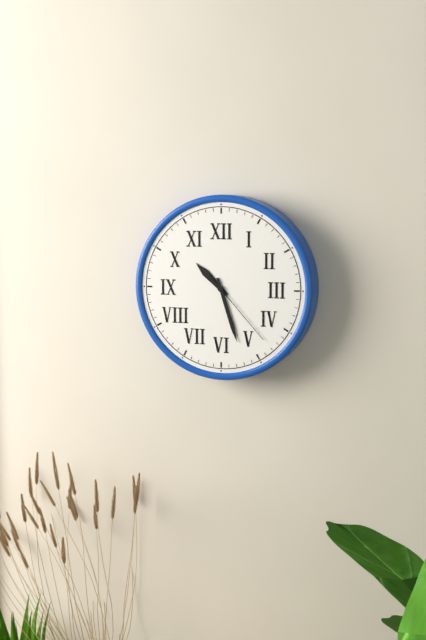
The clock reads **10:27:23**
